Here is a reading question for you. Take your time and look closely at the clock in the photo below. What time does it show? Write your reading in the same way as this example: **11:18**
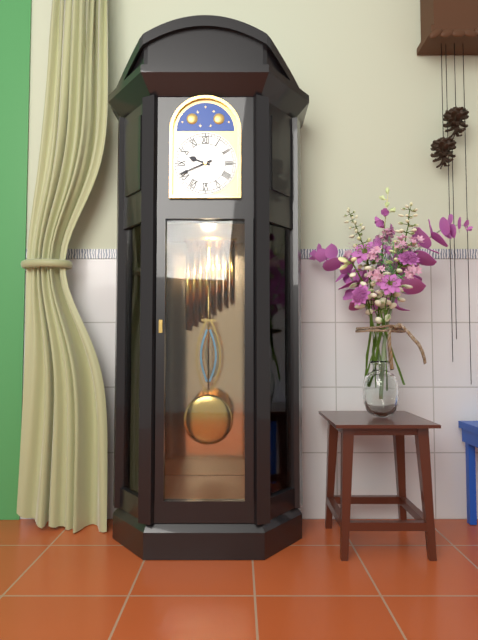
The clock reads **9:41**
